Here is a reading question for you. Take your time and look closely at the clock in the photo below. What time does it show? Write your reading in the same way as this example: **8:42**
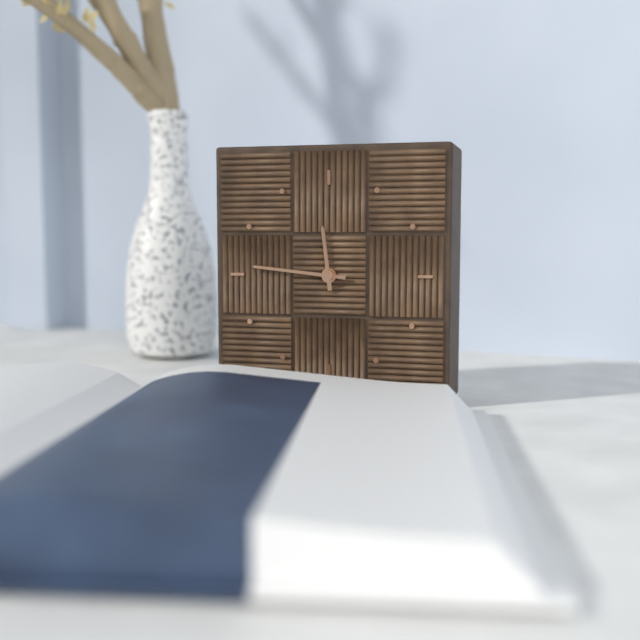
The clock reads **11:46**
